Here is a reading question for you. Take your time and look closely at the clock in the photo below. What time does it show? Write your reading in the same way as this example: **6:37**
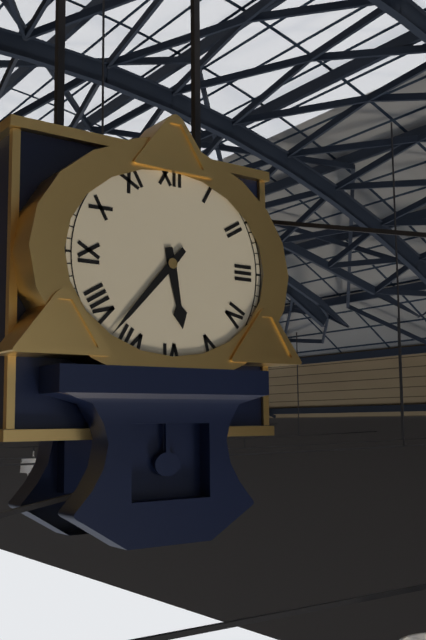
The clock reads **5:37**
